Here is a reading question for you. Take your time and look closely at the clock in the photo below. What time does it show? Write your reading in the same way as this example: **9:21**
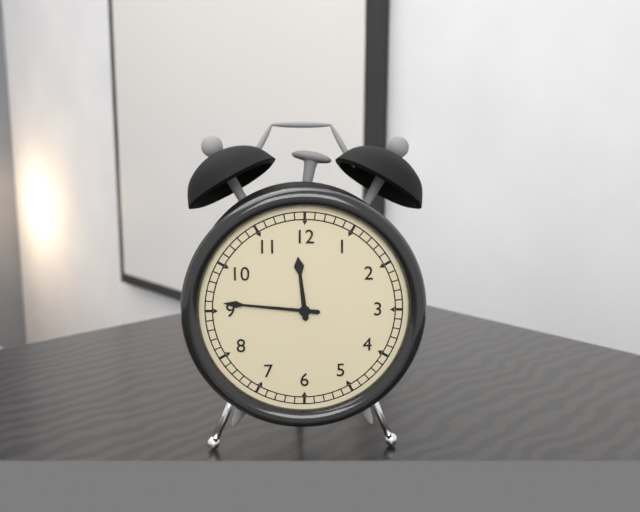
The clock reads **11:46**
